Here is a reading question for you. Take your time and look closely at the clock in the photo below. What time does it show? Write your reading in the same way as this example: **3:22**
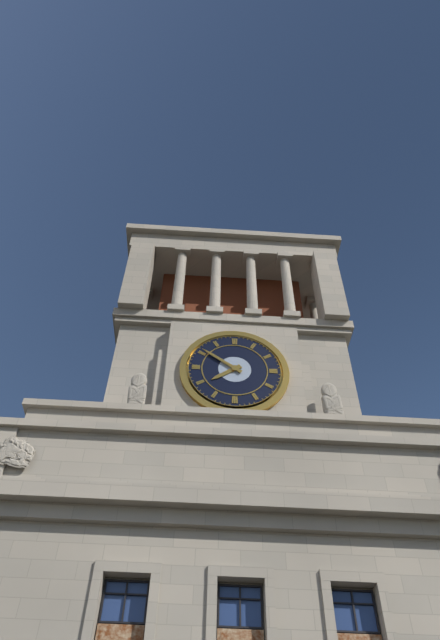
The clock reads **7:51**
